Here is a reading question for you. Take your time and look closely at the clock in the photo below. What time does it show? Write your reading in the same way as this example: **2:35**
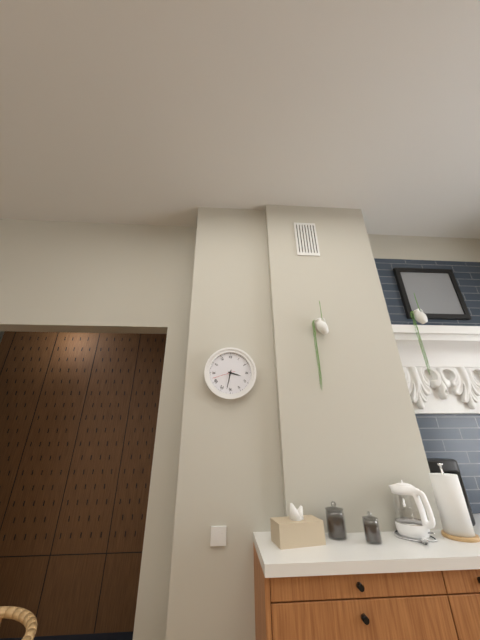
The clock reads **3:32**
